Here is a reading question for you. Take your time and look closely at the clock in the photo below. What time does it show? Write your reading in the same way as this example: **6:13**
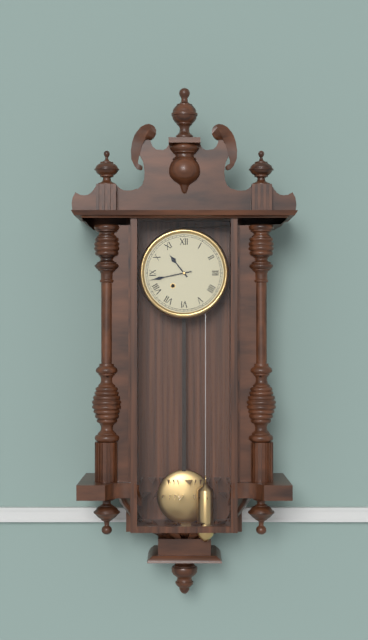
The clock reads **10:43**
